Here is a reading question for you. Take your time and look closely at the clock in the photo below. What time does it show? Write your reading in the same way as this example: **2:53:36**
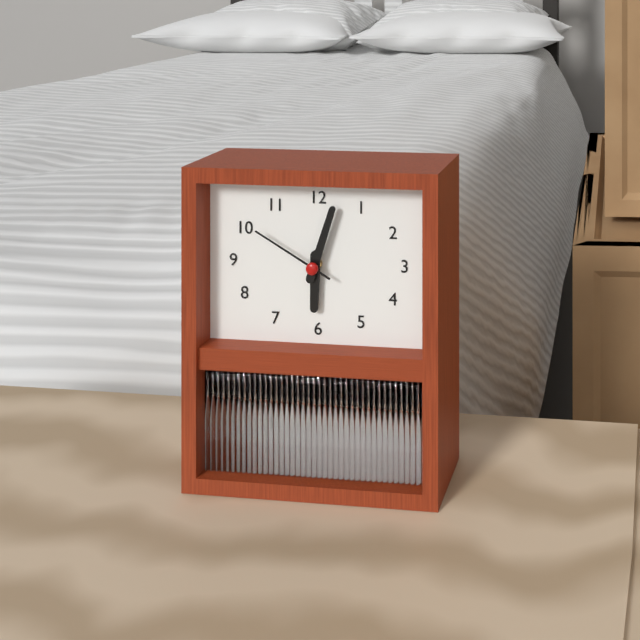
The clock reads **6:03:50**
